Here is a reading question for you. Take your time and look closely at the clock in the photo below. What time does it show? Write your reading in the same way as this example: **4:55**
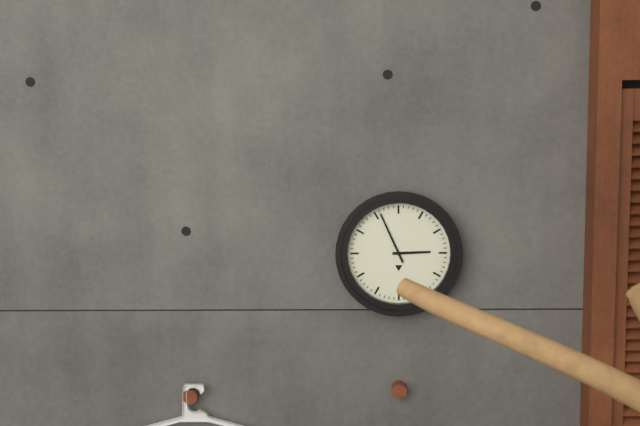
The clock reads **2:56**
